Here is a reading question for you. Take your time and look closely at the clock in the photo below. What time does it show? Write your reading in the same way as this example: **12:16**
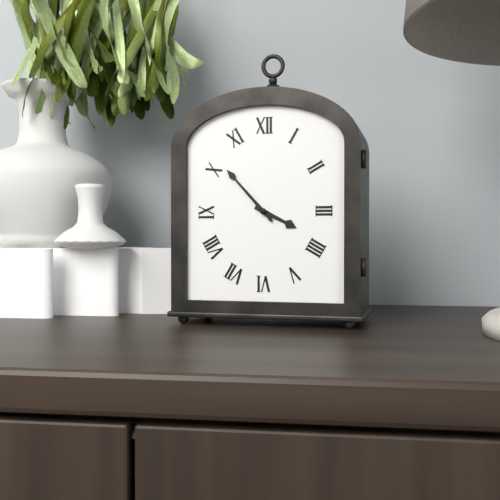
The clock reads **3:53**
